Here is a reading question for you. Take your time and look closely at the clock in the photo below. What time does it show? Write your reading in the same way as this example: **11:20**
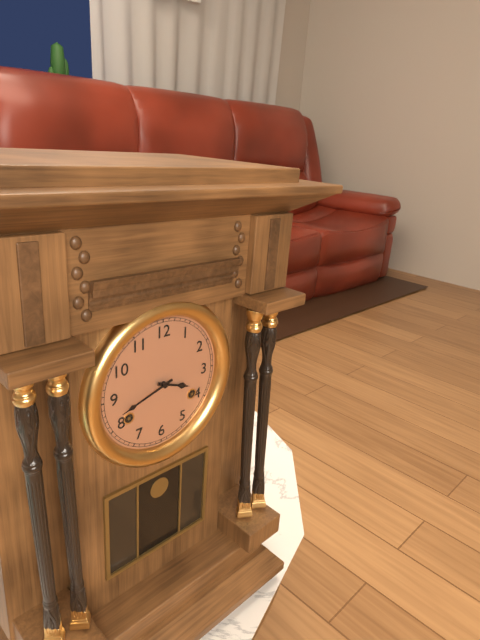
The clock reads **3:42**
